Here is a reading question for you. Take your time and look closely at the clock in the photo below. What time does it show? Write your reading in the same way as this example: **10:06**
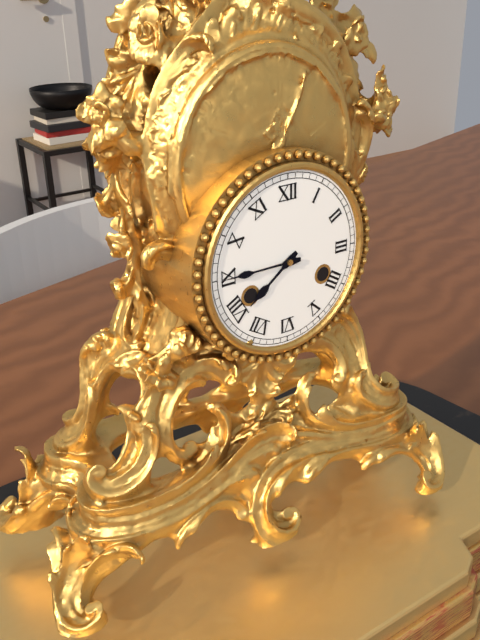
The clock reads **7:45**
